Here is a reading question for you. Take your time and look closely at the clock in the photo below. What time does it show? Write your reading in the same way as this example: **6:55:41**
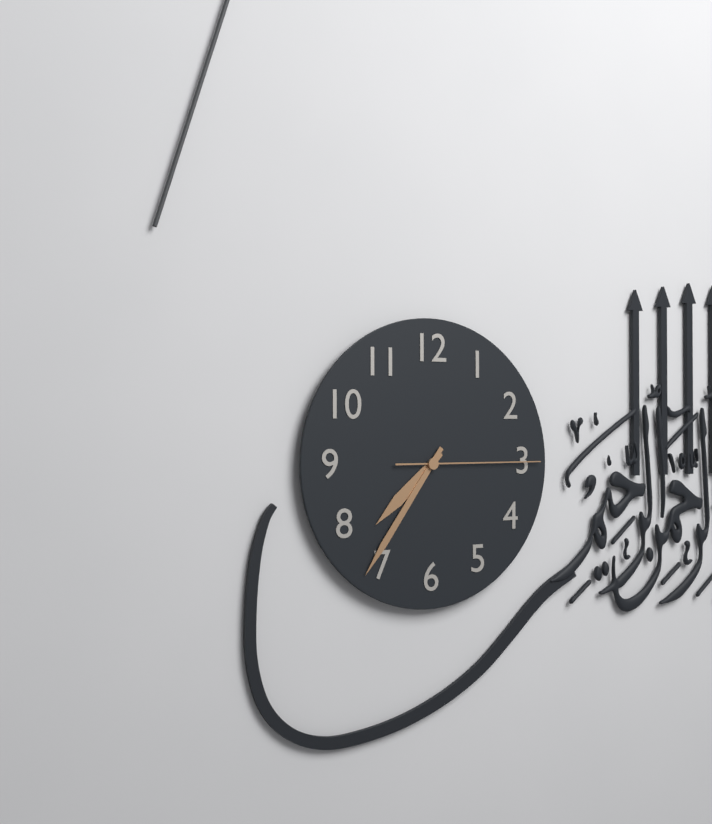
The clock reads **7:36:15**
